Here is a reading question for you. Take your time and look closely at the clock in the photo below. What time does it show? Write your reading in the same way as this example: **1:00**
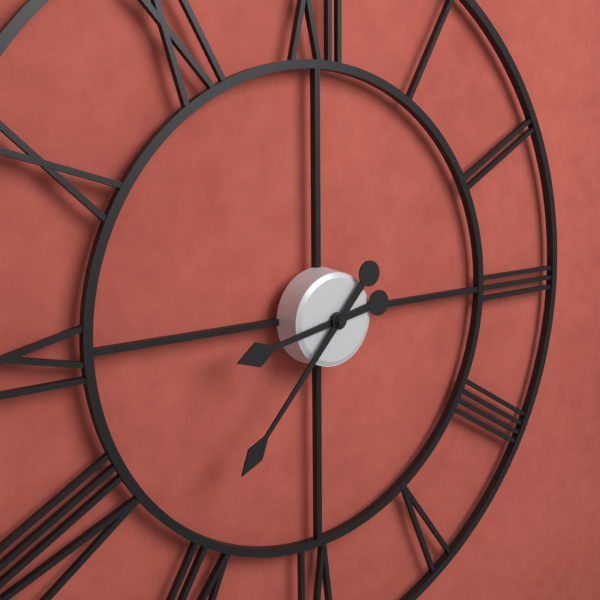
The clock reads **8:37**
